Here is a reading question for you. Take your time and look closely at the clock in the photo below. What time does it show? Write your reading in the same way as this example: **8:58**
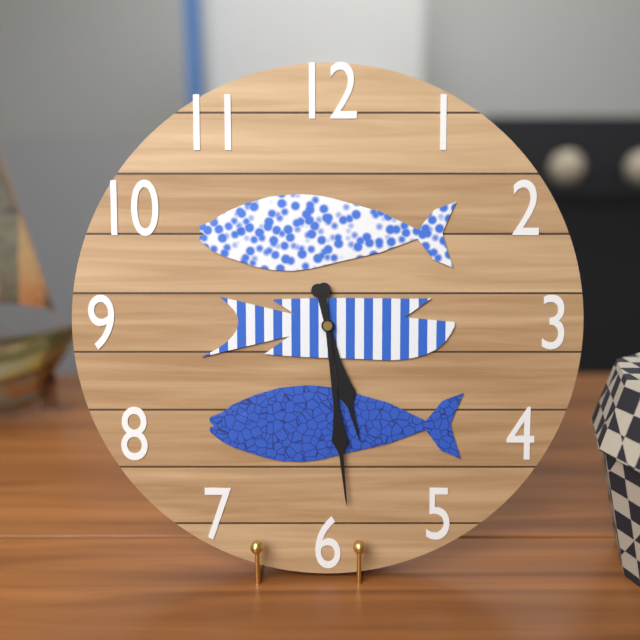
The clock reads **5:29**
